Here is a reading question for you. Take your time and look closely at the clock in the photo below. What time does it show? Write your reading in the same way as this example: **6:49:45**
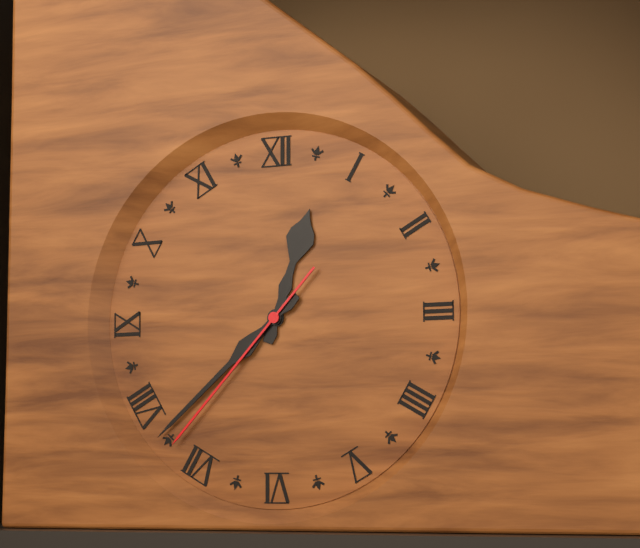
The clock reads **12:38:37**
